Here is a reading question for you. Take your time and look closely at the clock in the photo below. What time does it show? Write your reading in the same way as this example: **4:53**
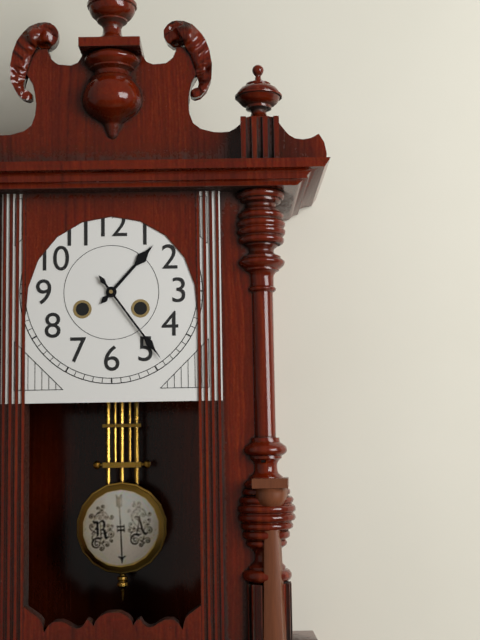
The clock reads **1:24**
